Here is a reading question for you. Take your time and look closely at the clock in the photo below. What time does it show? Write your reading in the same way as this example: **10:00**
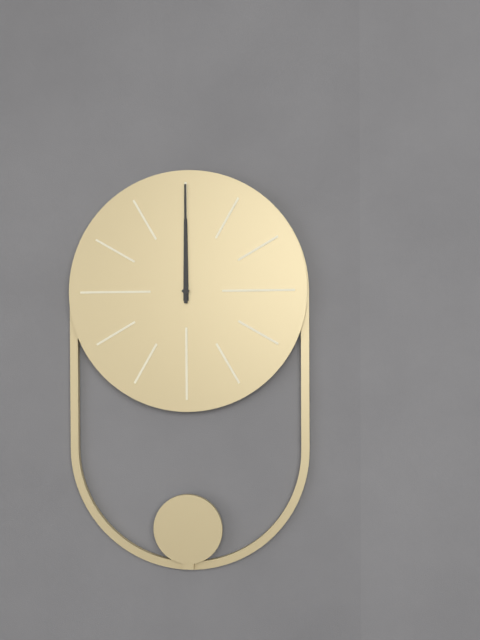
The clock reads **12:00**
